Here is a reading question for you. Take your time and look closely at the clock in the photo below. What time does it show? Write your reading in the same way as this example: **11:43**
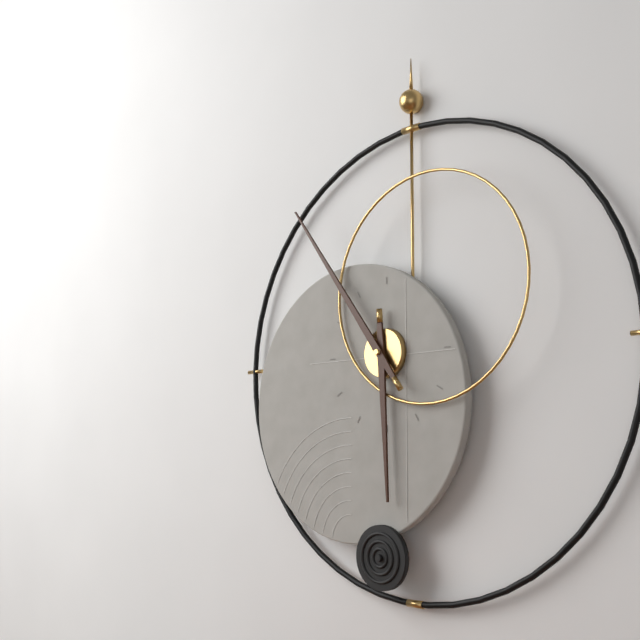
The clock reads **5:54**
